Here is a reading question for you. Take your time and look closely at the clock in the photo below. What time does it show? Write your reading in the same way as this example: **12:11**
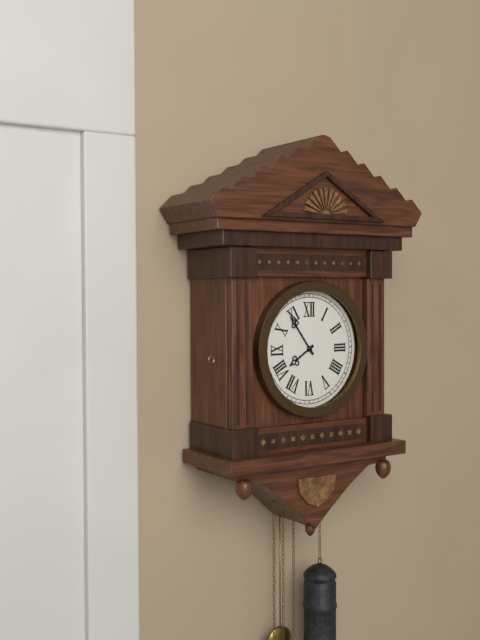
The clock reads **7:54**
